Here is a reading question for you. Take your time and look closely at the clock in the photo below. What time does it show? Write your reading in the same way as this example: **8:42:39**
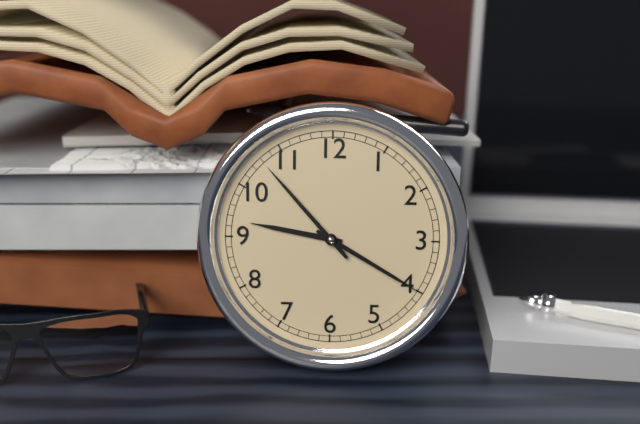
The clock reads **9:20:53**
